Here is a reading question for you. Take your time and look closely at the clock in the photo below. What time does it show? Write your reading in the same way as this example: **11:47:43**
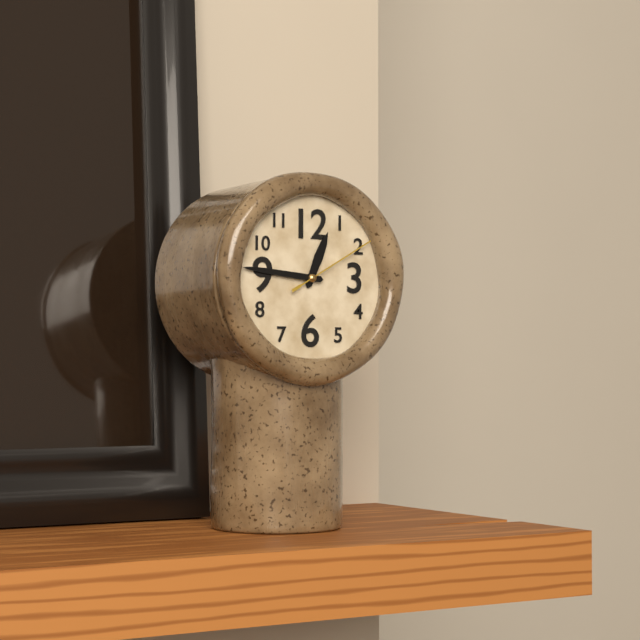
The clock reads **12:46:10**
